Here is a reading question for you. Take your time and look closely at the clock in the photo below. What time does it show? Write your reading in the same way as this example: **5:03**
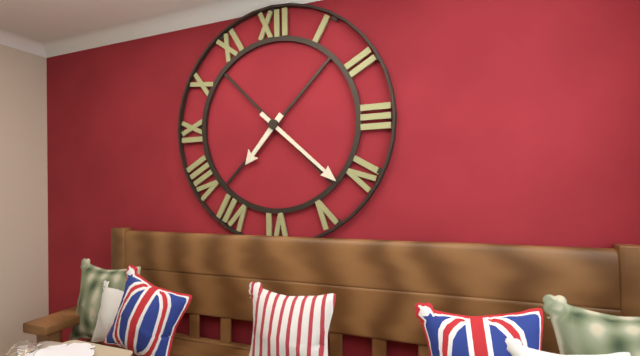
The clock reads **7:22**
